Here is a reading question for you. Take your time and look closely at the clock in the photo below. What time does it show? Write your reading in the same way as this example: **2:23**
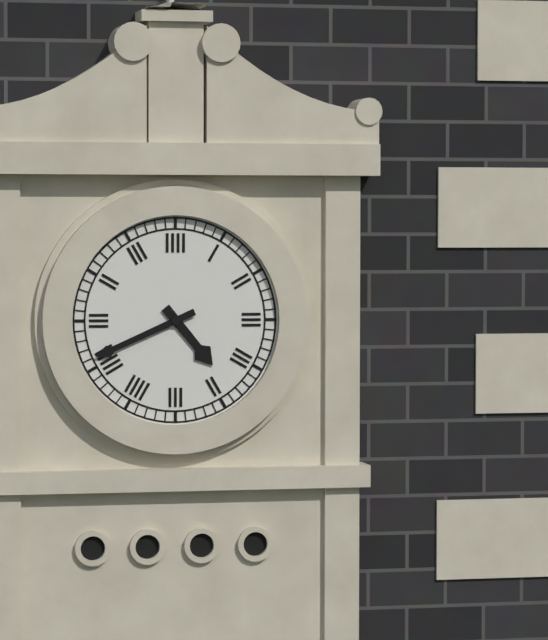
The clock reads **4:41**
